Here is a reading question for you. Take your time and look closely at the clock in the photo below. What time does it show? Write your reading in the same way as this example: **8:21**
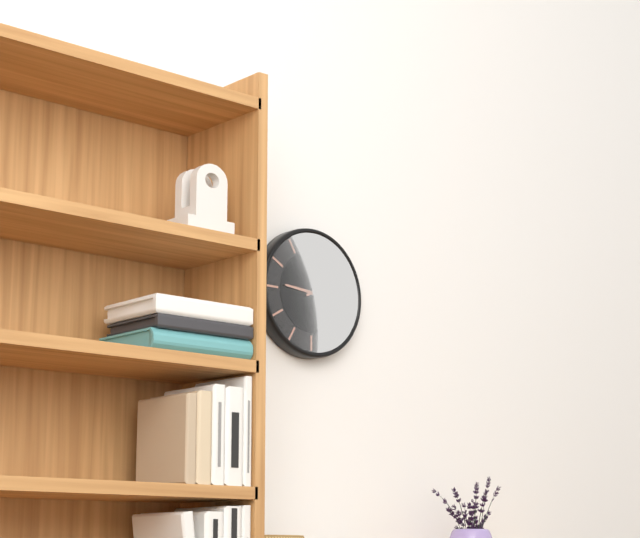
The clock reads **9:11**
